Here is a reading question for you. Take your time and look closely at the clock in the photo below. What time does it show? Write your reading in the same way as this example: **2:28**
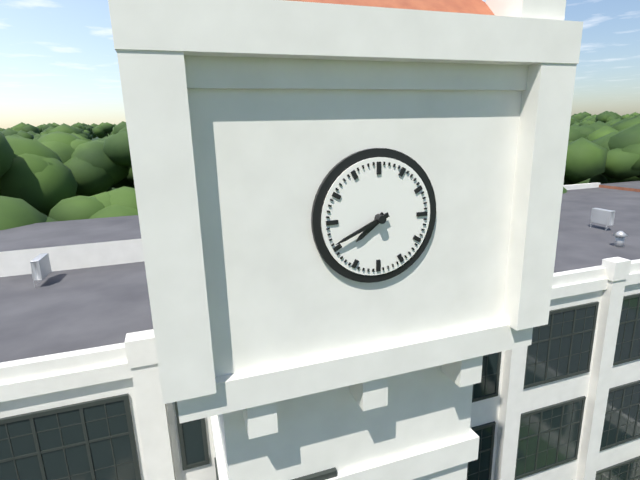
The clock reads **7:41**
